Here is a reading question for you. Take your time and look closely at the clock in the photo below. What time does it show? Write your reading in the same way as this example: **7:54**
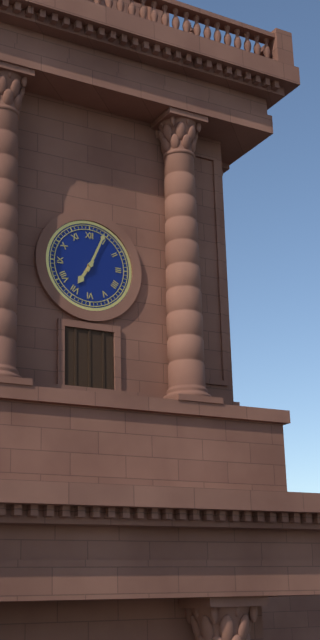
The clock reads **7:04**
